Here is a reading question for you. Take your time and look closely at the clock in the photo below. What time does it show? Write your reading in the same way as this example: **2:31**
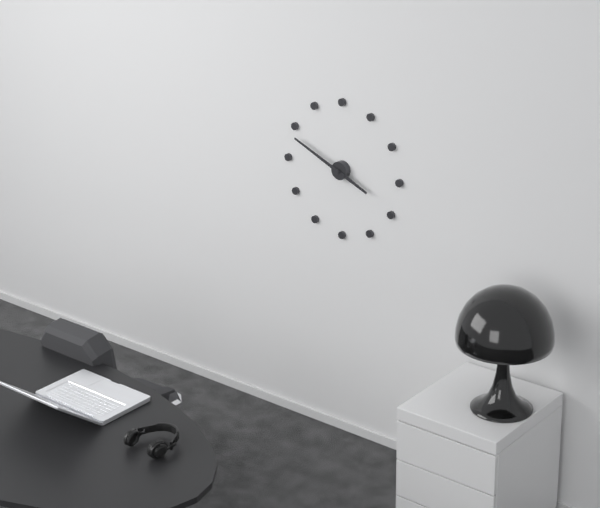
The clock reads **3:49**
